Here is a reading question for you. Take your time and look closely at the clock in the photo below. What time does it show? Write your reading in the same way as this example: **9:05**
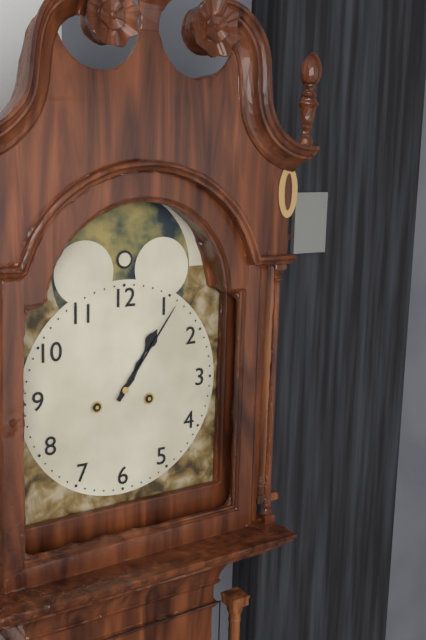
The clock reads **1:06**
